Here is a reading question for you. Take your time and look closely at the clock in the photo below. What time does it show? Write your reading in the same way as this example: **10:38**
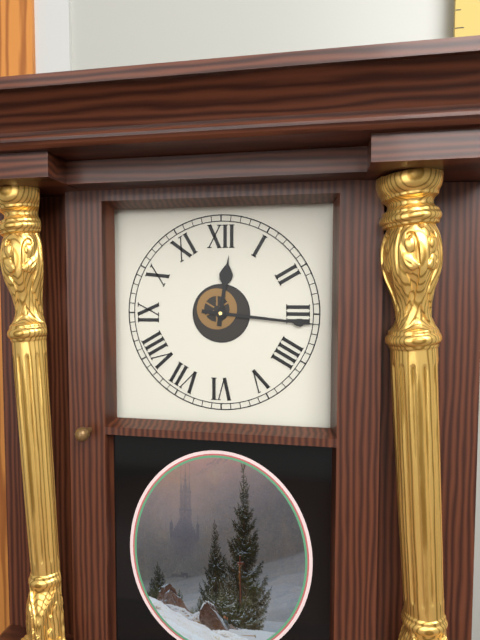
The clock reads **12:16**
